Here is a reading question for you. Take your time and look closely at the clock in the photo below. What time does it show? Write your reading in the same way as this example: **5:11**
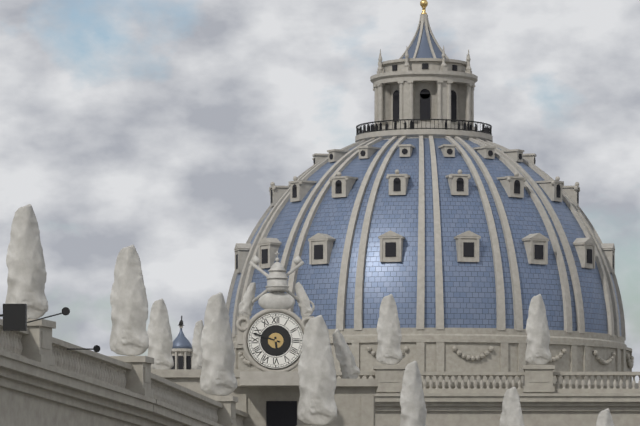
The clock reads **5:48**
